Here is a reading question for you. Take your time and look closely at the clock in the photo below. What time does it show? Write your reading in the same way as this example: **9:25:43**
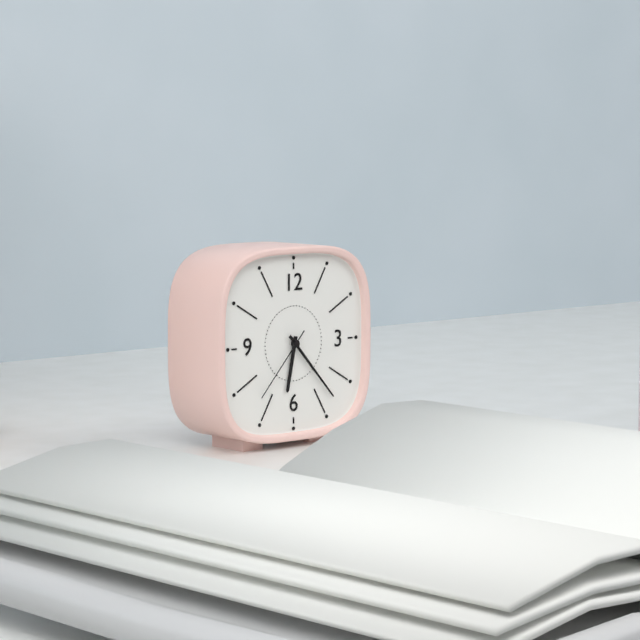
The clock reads **6:23:37**
